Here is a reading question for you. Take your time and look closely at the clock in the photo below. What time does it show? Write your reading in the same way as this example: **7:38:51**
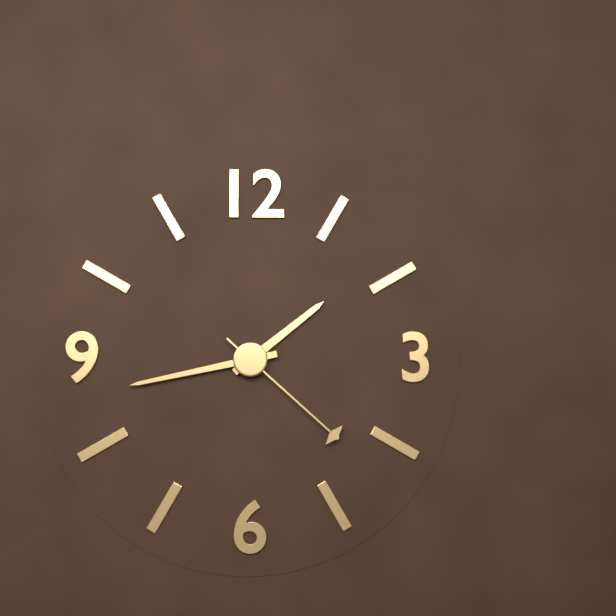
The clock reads **1:43:22**
